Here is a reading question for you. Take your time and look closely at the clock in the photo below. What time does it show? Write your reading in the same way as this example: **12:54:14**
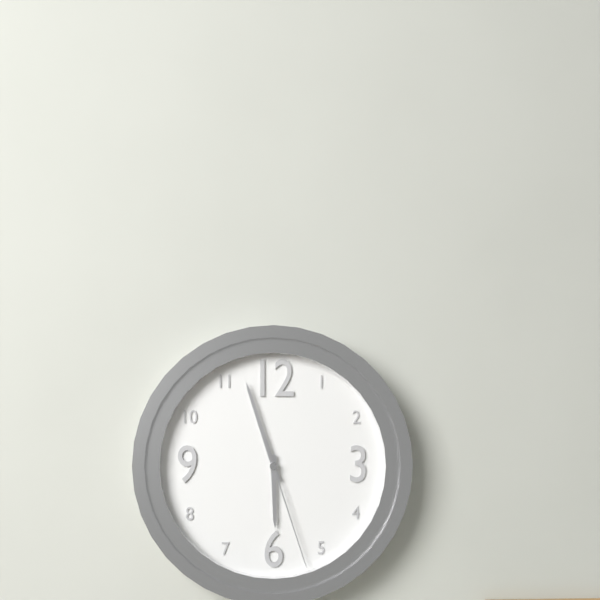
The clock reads **5:57:27**
